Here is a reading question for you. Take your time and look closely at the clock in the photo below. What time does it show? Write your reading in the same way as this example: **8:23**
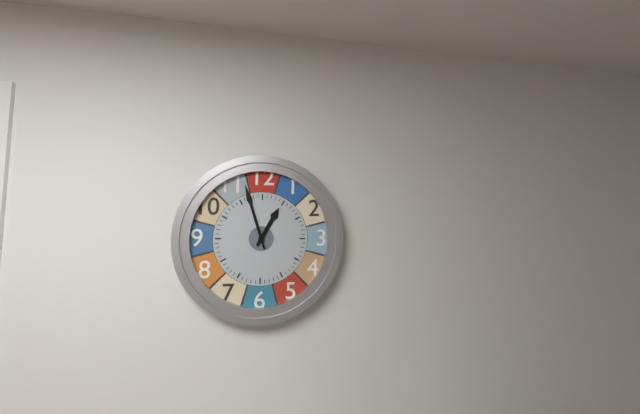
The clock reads **12:57**
